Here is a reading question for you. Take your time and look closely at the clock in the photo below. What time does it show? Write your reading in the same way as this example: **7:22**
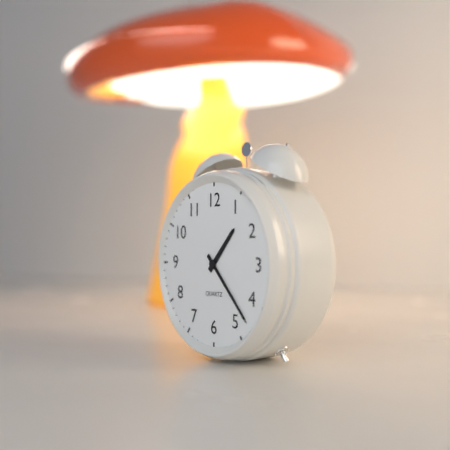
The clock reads **1:23**
